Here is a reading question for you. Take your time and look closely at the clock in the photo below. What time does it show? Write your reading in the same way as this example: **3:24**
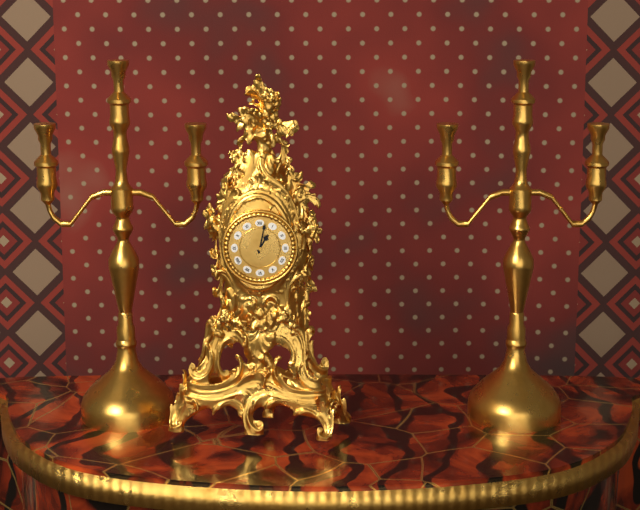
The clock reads **1:02**
